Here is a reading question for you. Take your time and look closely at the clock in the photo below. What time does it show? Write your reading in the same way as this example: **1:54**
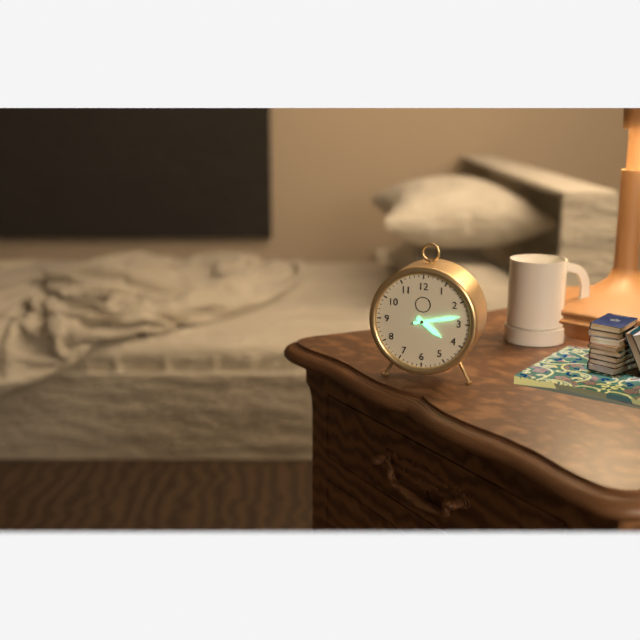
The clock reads **4:13**
